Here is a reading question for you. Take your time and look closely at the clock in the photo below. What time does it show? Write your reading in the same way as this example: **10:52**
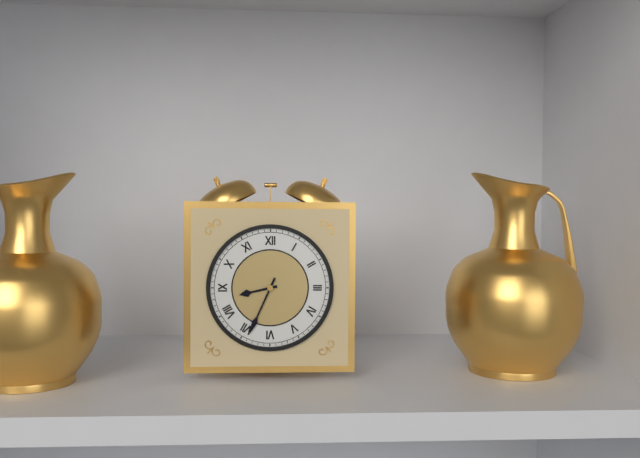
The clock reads **8:34**
